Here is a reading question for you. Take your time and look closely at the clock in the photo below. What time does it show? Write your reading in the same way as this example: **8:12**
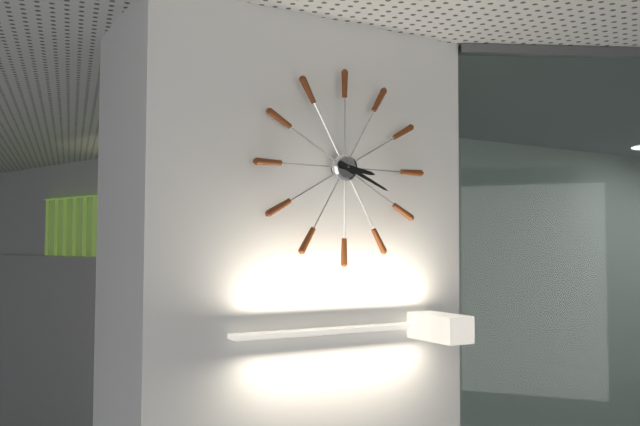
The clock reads **3:19**
